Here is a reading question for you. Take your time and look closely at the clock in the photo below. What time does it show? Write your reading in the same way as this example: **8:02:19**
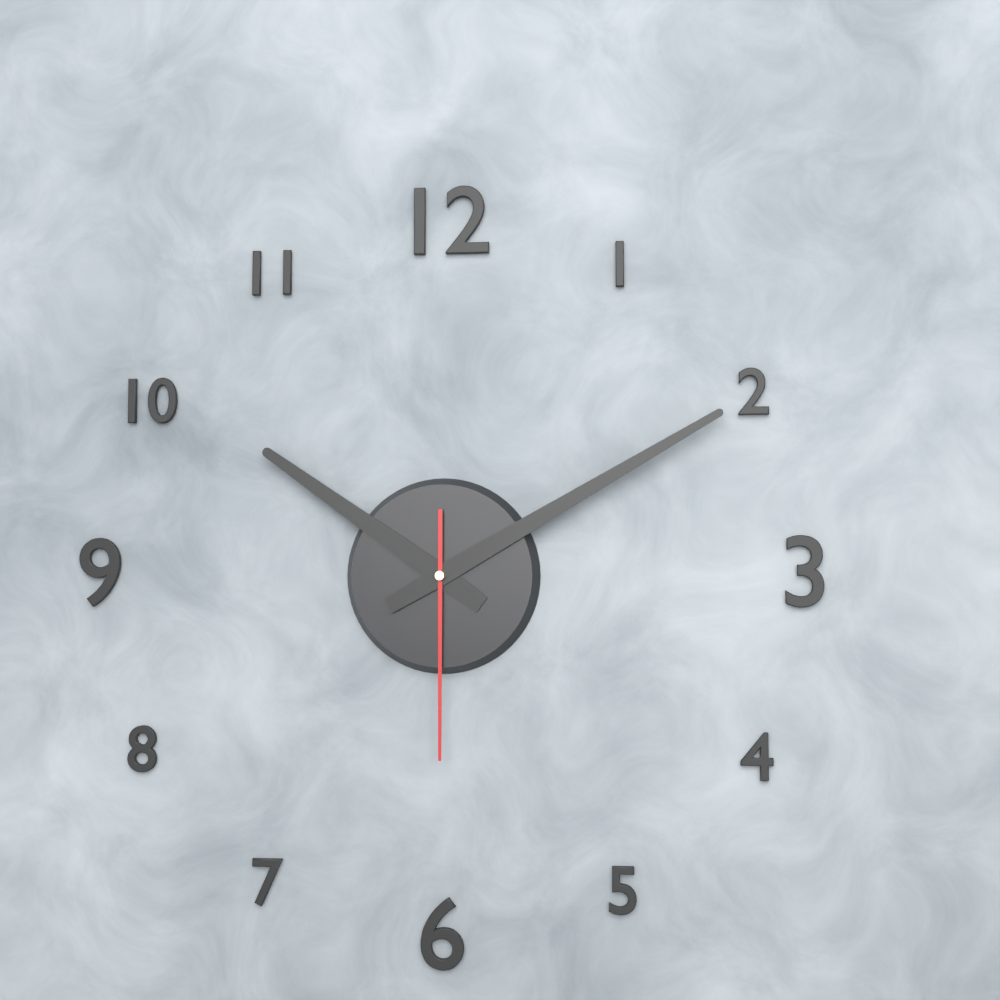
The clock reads **10:10:30**
